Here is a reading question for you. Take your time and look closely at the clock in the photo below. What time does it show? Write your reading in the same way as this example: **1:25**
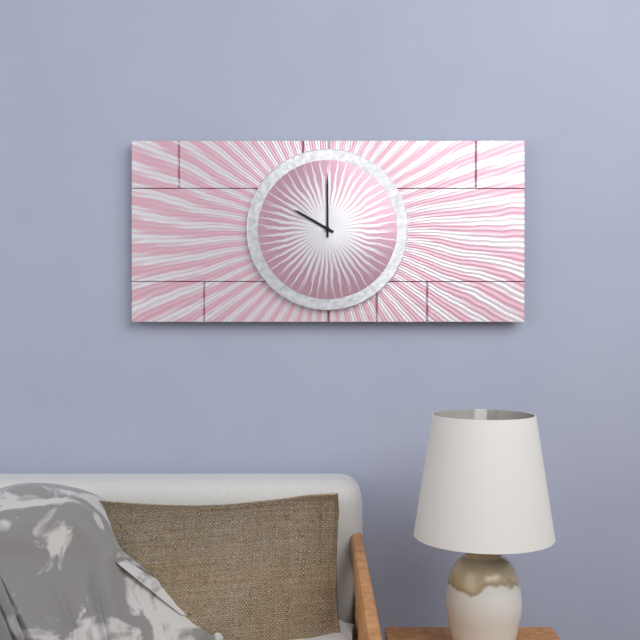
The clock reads **10:00**
